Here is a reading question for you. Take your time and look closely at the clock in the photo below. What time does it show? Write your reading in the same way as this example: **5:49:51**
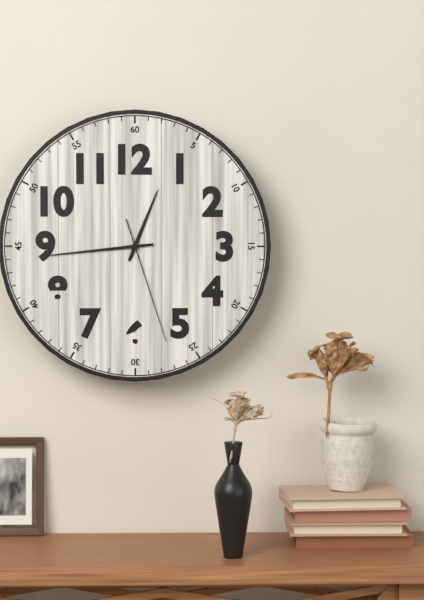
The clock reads **12:44:27**
